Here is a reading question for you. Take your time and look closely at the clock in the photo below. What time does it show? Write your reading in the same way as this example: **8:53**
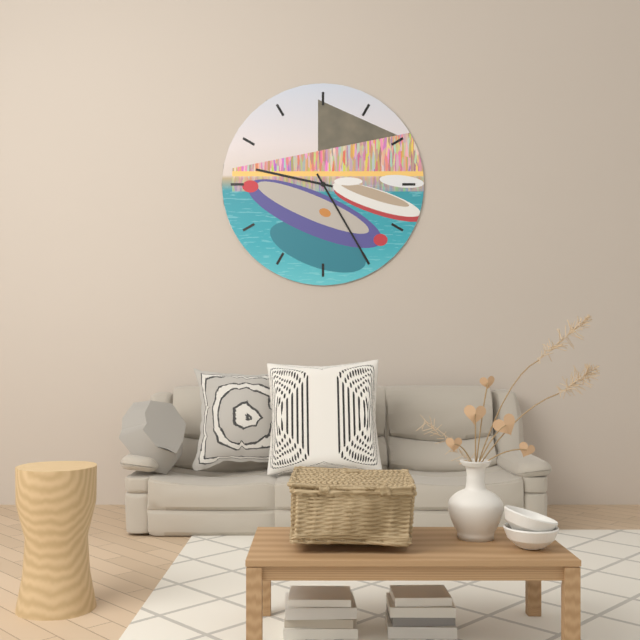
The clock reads **9:25**
